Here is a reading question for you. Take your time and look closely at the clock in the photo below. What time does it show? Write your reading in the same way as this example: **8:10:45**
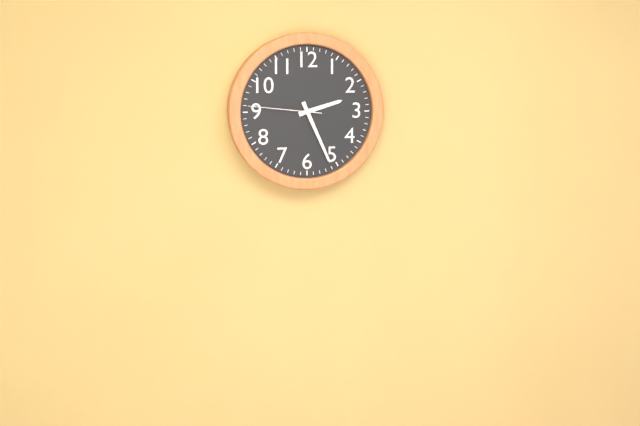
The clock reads **2:26:46**
